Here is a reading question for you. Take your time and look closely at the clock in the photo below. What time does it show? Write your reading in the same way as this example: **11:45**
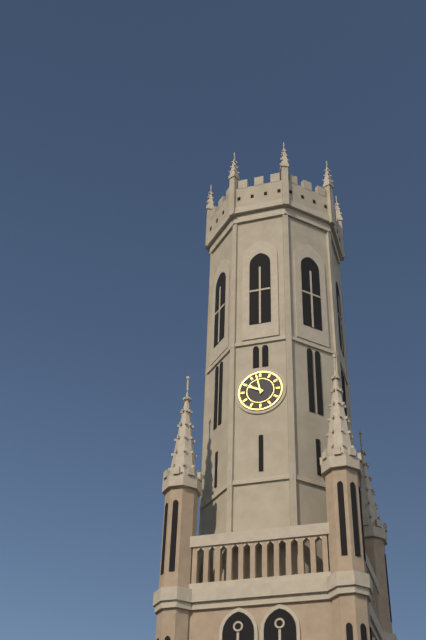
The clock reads **9:58**
